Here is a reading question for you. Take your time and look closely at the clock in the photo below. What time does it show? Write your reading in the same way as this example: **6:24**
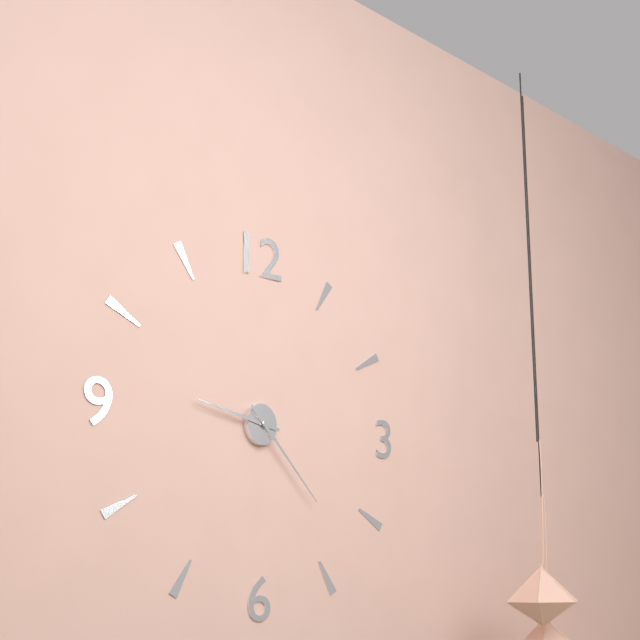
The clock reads **9:23**
